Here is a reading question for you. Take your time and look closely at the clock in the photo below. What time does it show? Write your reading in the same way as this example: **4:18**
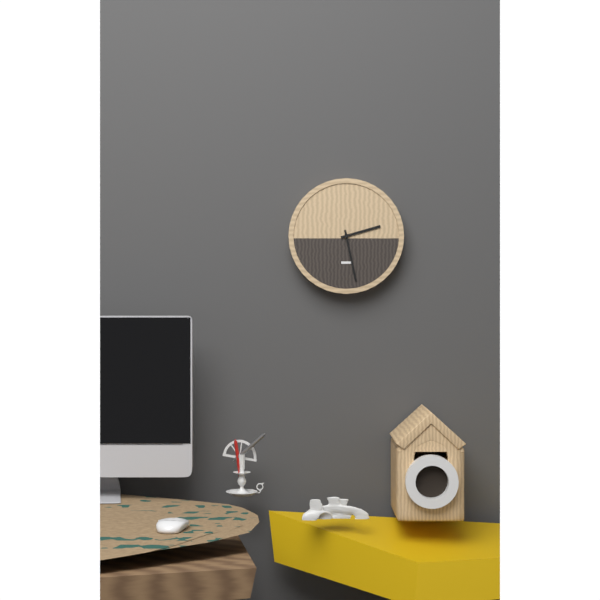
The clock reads **2:28**
